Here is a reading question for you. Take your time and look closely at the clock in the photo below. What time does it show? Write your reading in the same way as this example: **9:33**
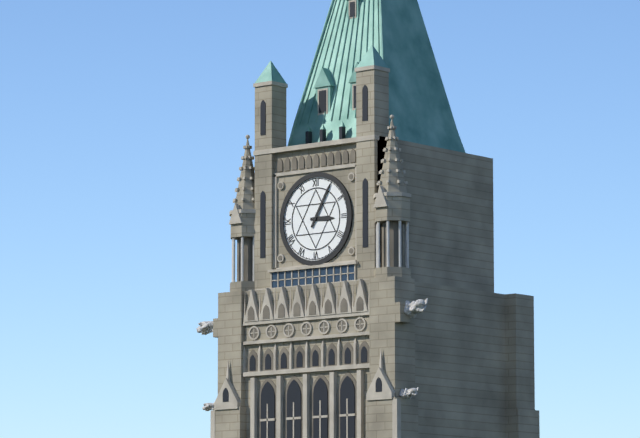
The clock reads **3:05**
